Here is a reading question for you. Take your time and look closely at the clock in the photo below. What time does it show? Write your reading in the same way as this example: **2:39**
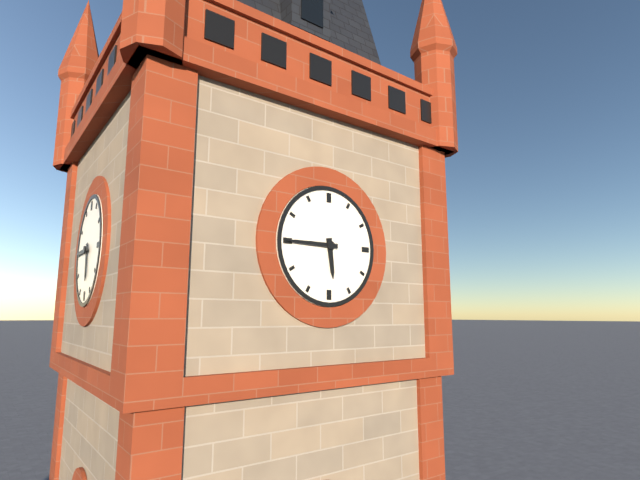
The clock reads **5:45**
